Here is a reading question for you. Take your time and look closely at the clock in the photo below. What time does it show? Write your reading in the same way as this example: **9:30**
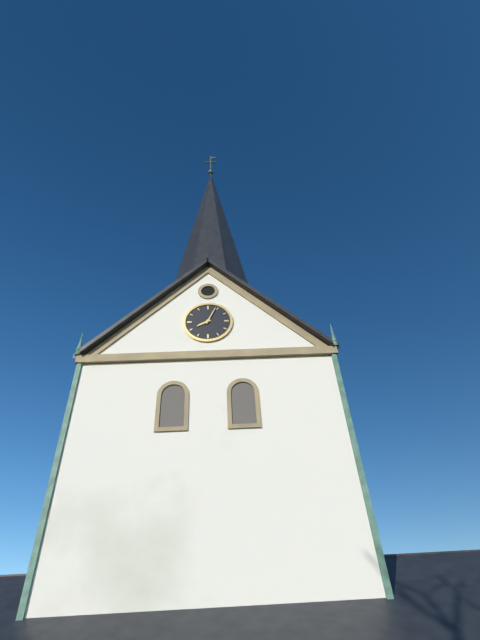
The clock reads **8:04**
